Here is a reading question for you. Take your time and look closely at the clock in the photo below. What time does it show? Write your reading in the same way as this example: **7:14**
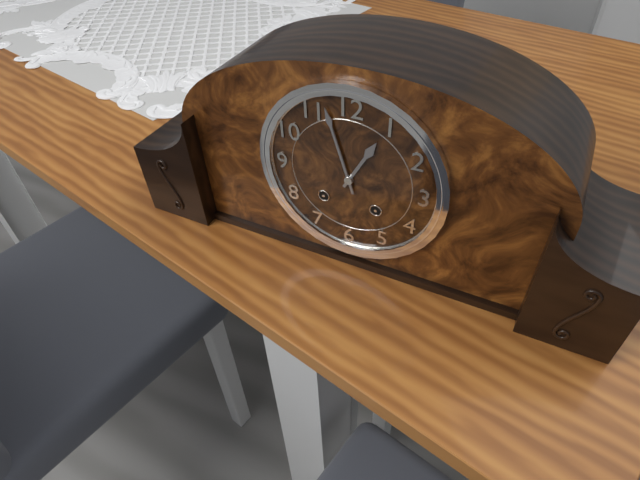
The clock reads **12:57**
